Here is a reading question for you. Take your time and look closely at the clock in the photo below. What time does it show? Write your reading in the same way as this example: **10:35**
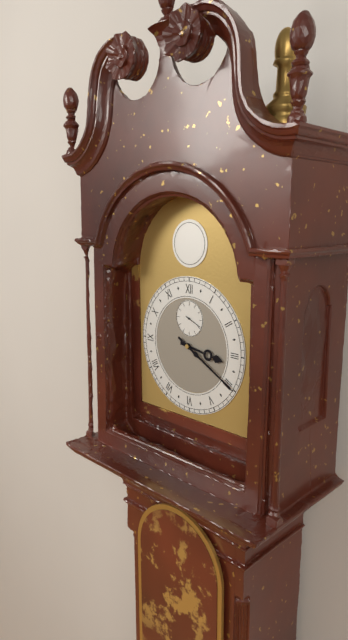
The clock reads **3:20**
